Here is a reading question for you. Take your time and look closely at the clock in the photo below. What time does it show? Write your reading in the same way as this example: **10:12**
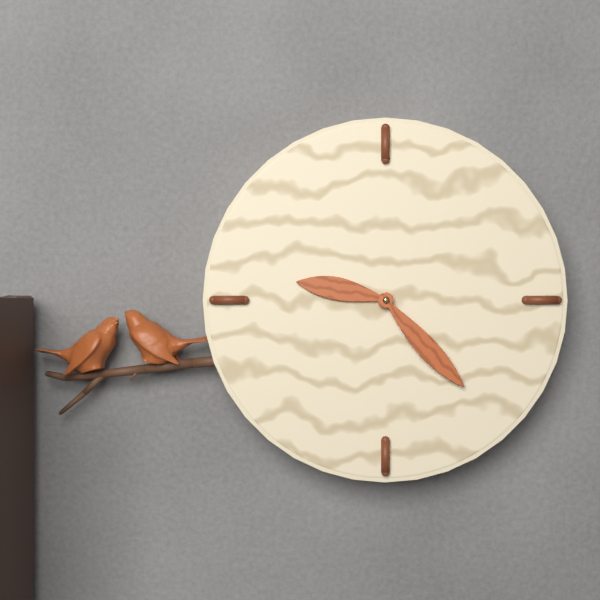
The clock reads **9:23**
